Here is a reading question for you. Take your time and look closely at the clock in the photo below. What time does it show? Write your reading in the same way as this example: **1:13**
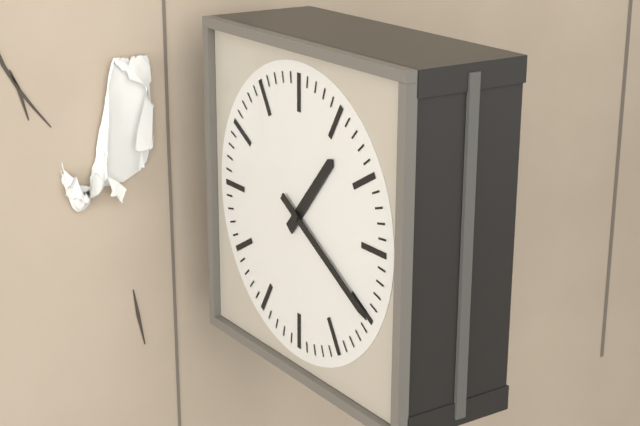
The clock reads **1:20**
